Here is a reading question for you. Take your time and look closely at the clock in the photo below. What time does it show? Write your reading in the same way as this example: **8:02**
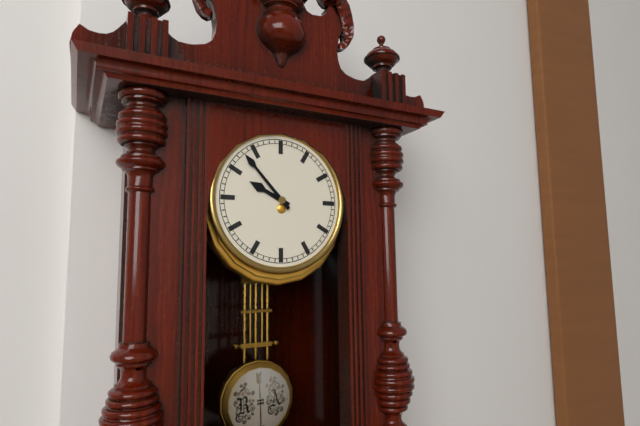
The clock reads **9:53**
